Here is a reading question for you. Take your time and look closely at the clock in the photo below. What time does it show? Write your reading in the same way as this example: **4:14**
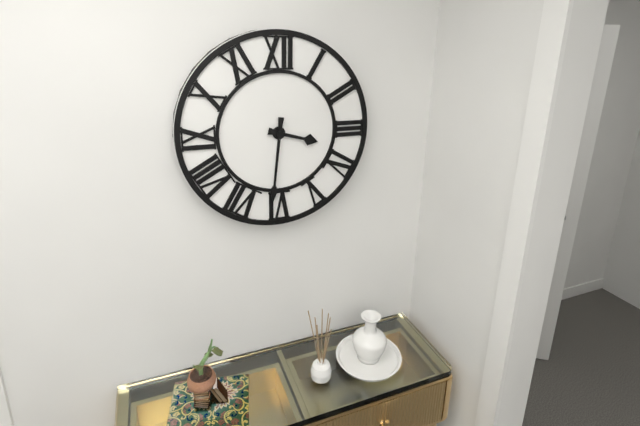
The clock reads **3:31**
